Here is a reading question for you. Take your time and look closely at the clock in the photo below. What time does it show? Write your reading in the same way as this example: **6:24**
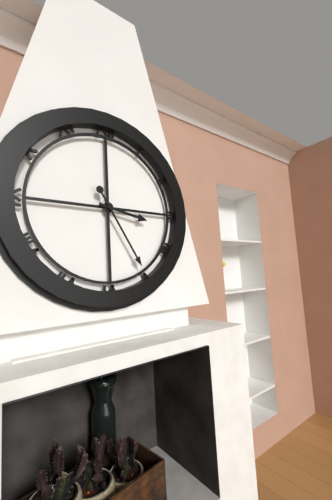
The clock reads **3:25**
